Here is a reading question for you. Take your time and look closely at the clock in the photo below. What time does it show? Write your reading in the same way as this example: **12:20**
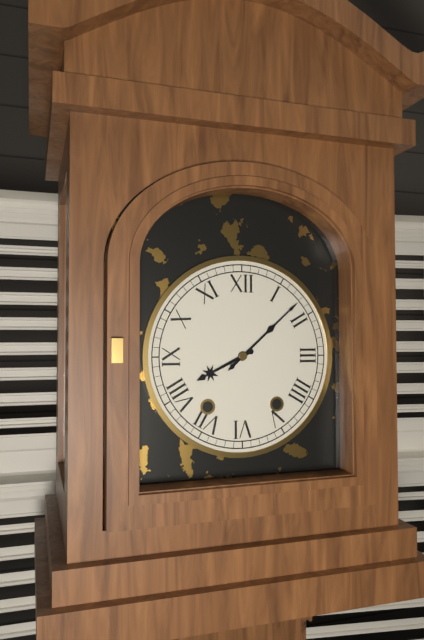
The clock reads **8:08**
